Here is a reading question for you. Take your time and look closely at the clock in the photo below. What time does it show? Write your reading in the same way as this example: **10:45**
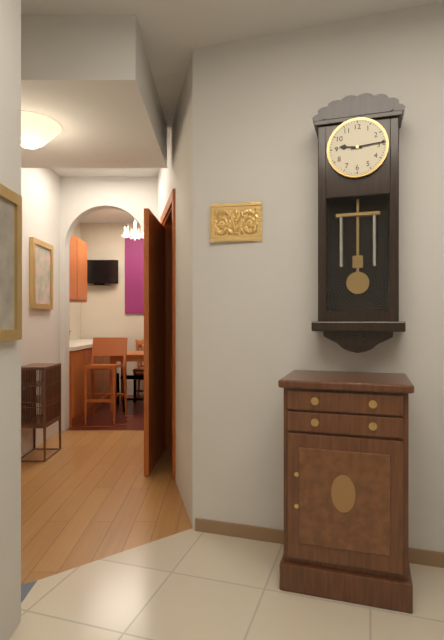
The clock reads **9:14**
